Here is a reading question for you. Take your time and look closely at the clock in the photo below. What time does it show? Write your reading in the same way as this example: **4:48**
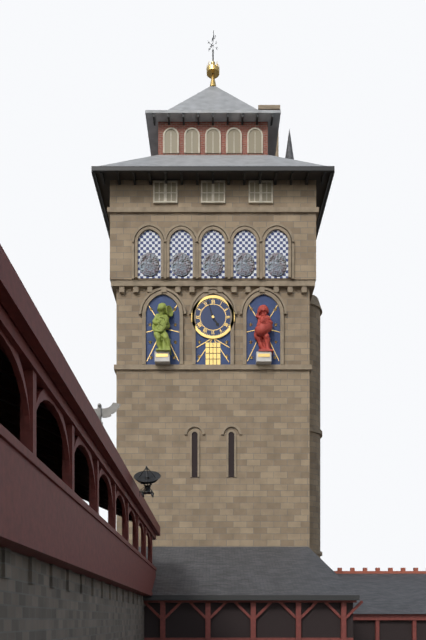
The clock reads **4:57**
